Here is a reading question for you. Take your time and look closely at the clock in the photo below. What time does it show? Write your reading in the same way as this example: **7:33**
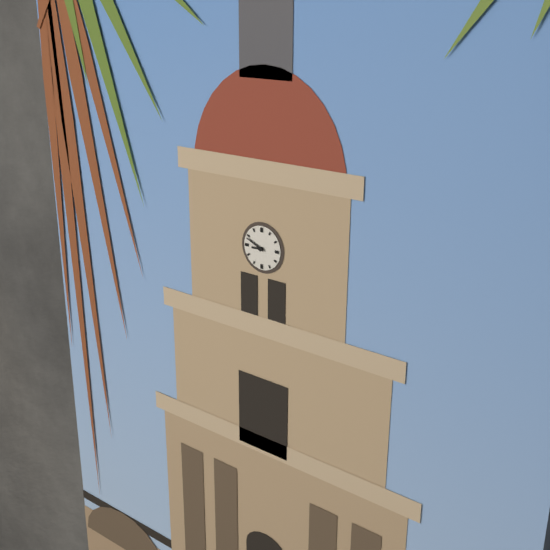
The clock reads **8:49**
